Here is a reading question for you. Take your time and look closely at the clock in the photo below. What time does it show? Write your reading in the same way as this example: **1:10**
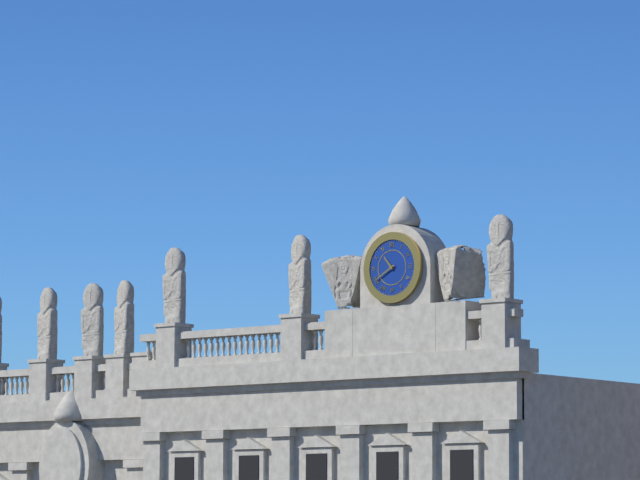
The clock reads **10:40**
